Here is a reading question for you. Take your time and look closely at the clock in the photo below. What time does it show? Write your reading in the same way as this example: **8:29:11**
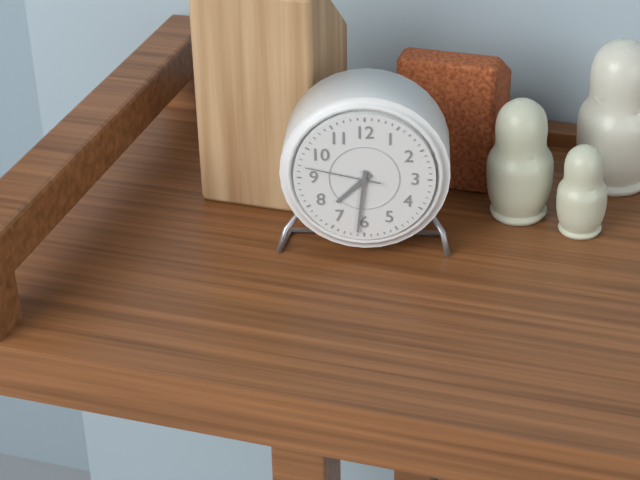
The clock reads **7:31:47**
